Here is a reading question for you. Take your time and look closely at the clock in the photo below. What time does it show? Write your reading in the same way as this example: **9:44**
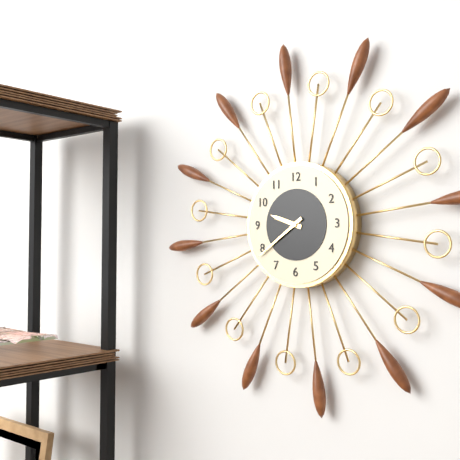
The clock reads **9:39**
